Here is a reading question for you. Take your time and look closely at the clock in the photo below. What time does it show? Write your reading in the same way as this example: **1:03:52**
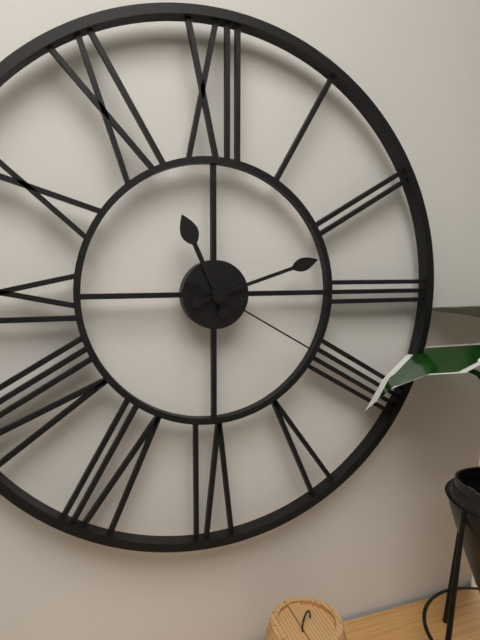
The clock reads **11:12:20**
